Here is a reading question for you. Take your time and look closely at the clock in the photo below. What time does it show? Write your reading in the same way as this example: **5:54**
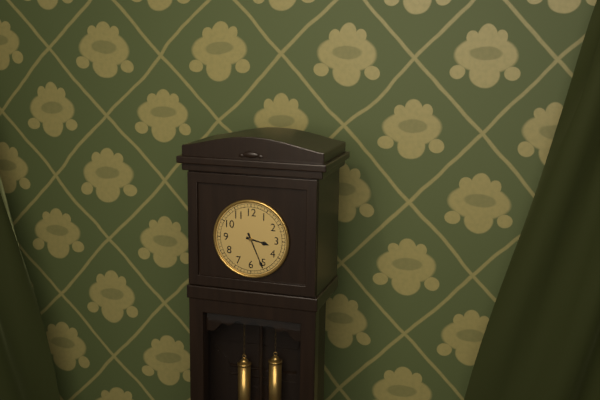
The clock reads **3:26**
